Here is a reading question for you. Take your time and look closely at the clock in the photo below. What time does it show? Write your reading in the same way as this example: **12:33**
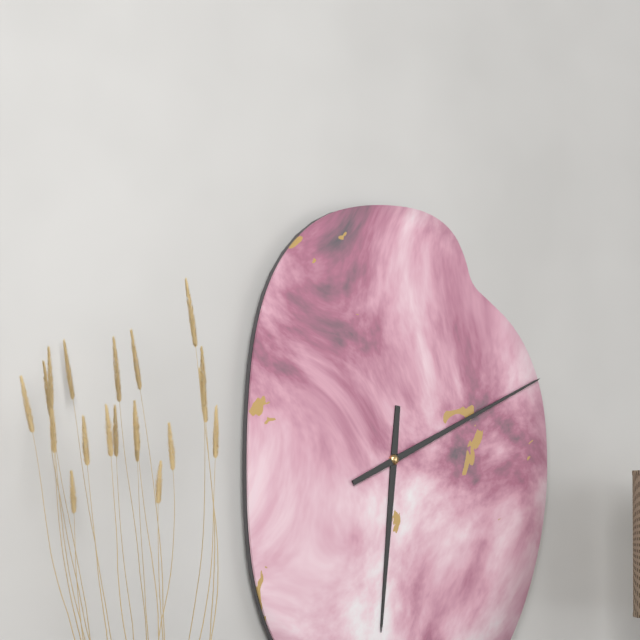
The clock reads **6:11**
